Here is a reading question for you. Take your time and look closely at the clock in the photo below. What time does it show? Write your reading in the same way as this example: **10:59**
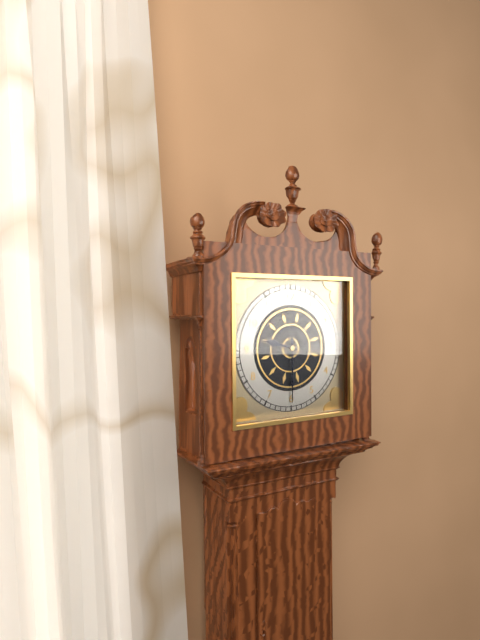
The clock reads **9:30**
